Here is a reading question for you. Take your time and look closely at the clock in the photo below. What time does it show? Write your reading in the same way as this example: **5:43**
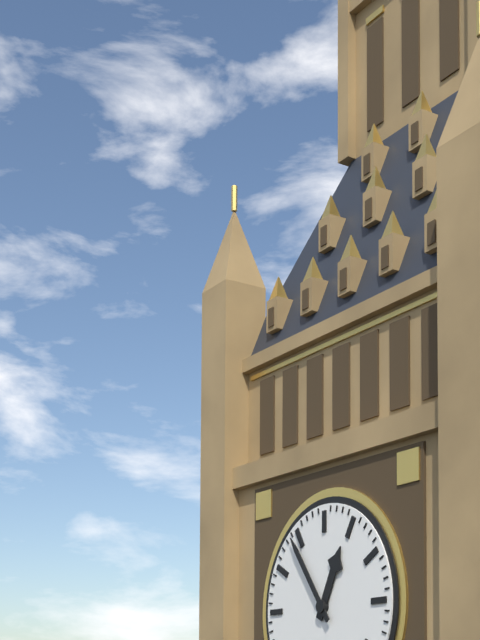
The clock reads **12:54**
